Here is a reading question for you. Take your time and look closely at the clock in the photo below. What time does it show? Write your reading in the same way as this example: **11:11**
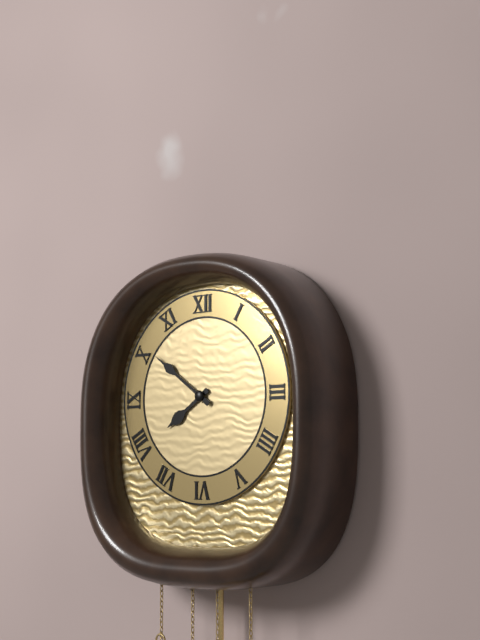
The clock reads **7:51**
